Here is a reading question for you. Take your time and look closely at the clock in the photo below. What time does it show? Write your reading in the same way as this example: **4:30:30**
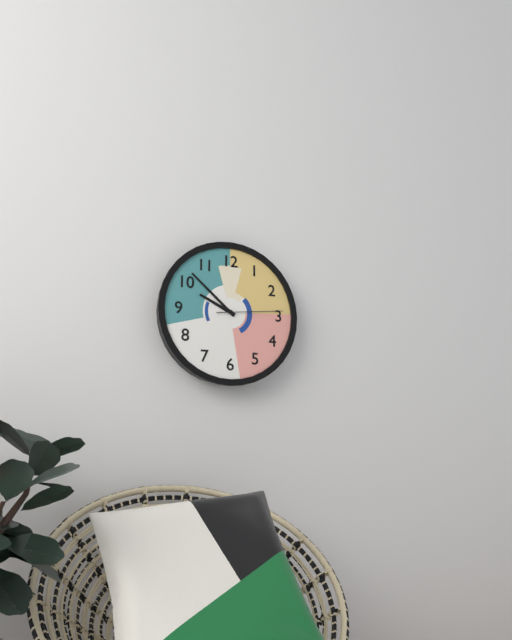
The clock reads **9:52:14**
